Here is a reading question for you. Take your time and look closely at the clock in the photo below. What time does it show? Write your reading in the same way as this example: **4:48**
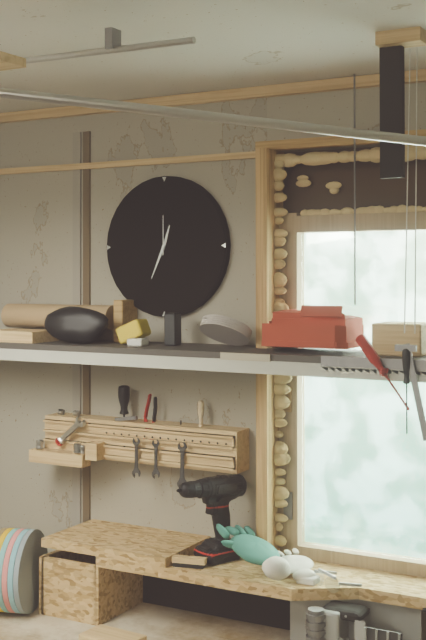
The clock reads **12:34**
